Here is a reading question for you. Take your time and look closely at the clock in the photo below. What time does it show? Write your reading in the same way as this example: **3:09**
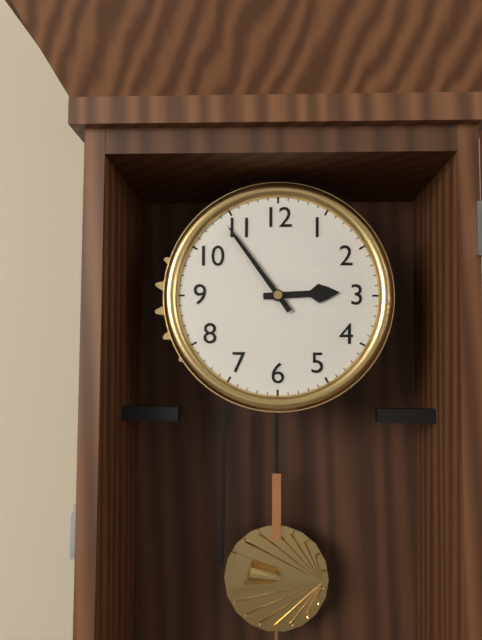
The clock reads **2:54**
